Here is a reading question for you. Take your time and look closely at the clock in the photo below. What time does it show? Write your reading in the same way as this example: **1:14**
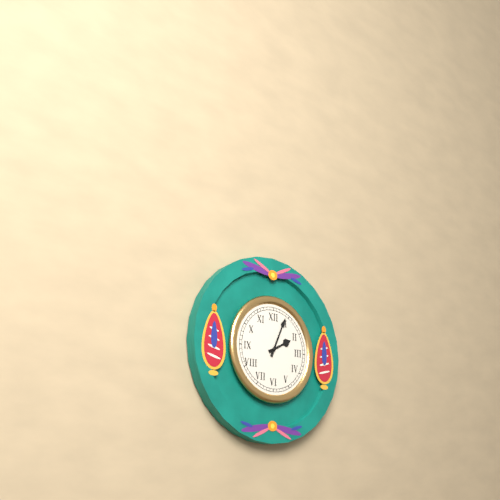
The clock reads **2:04**
